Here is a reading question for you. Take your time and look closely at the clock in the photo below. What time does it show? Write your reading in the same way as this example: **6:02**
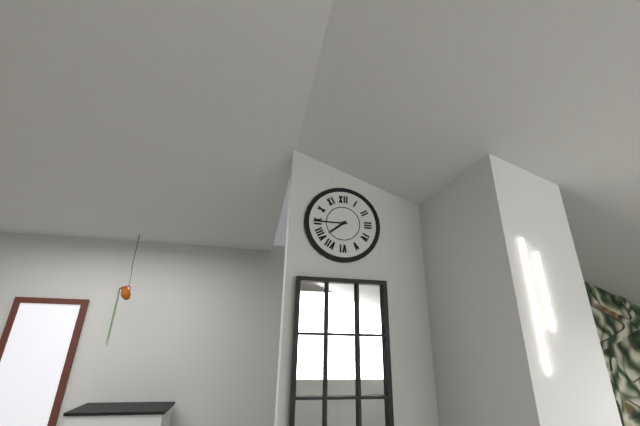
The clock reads **7:45**
